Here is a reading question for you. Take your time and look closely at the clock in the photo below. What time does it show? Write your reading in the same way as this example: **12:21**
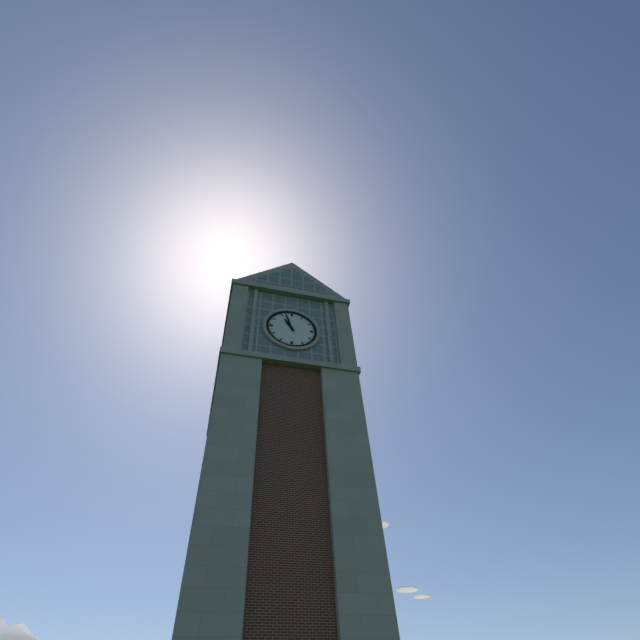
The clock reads **10:57**
